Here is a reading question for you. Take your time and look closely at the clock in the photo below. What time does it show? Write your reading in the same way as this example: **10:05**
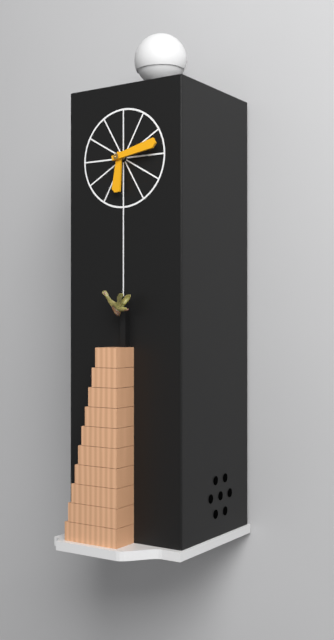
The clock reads **6:13**
